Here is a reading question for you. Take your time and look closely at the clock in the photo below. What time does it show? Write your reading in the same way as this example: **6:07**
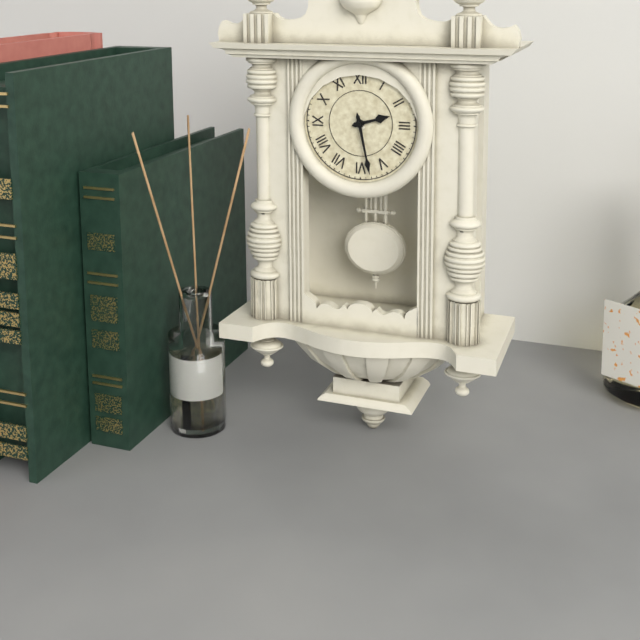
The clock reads **2:28**
